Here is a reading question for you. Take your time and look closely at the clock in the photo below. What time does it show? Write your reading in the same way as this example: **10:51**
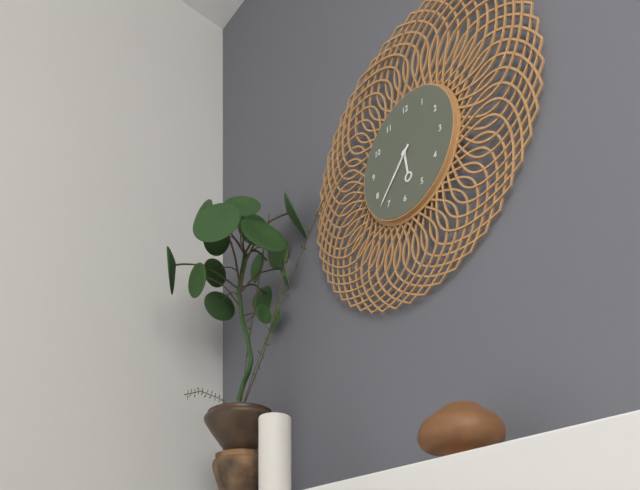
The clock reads **5:37**
